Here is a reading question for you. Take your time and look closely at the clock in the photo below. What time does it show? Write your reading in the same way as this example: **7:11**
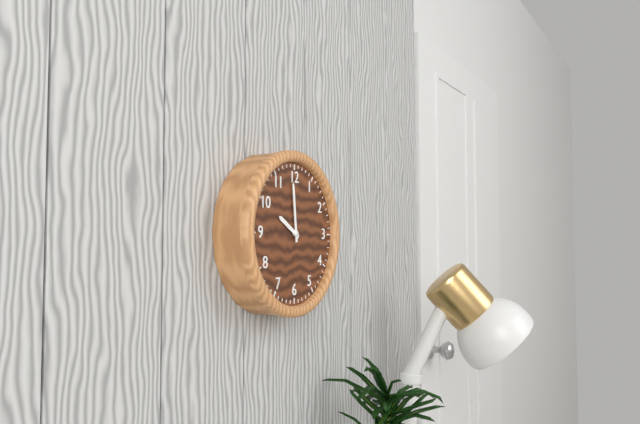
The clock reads **9:59**
